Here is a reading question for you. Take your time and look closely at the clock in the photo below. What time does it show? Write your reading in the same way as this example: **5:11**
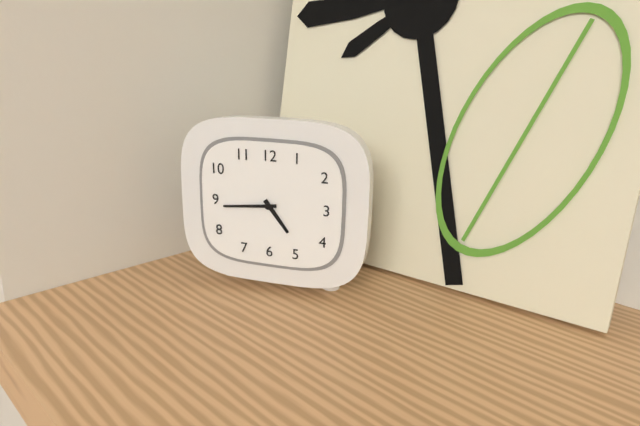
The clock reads **4:44**
